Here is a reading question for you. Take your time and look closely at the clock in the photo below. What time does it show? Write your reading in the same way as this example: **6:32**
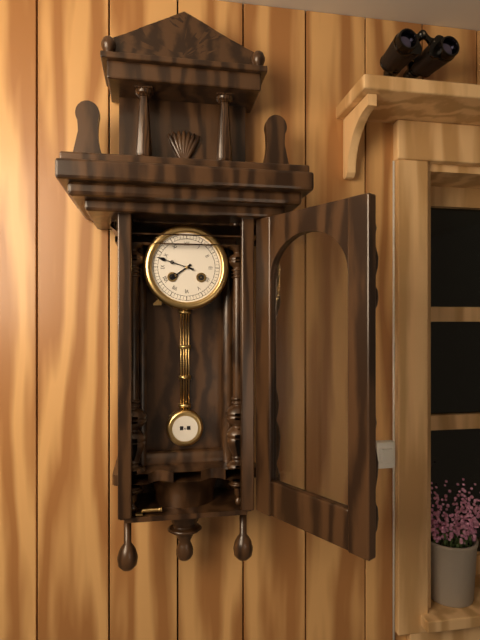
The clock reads **7:48**
